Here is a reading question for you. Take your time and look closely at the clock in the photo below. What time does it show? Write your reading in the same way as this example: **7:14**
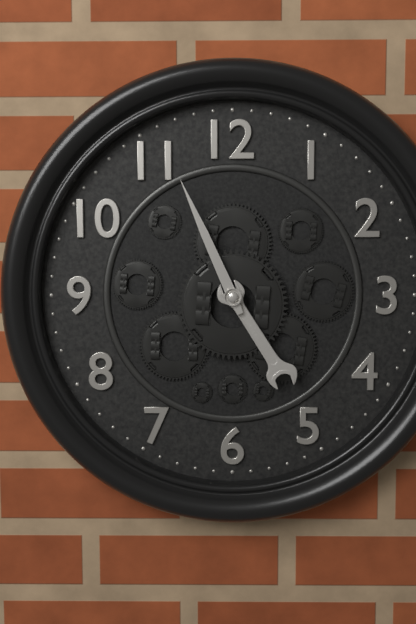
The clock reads **4:56**
